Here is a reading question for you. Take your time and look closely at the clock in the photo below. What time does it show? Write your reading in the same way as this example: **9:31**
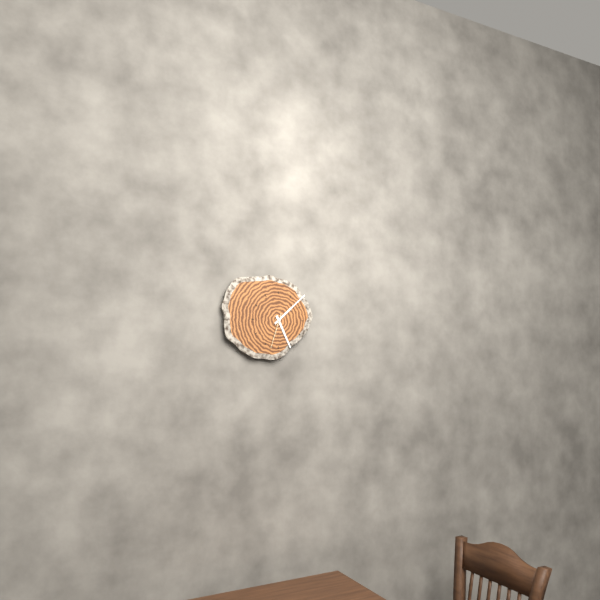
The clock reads **5:08**
